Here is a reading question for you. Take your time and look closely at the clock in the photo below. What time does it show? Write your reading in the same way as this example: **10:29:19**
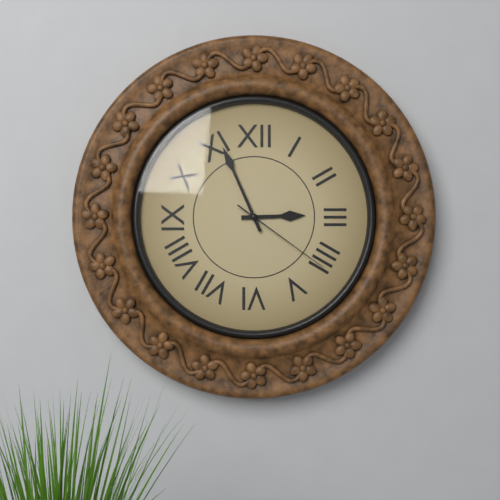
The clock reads **2:56:21**
